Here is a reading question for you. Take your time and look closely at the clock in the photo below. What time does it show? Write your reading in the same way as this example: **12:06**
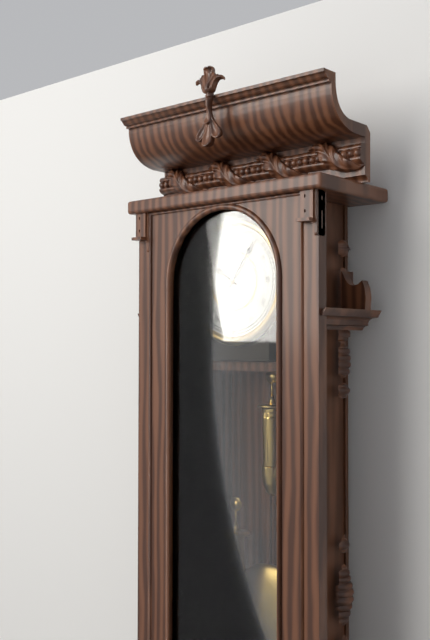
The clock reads **10:06**
